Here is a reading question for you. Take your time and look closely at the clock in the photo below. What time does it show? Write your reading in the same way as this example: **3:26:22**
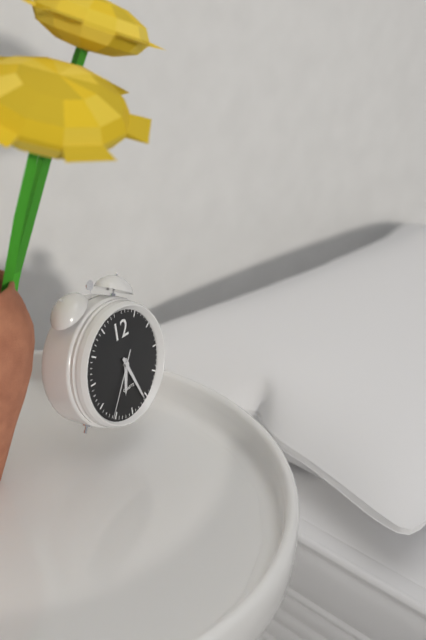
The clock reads **6:26:36**
